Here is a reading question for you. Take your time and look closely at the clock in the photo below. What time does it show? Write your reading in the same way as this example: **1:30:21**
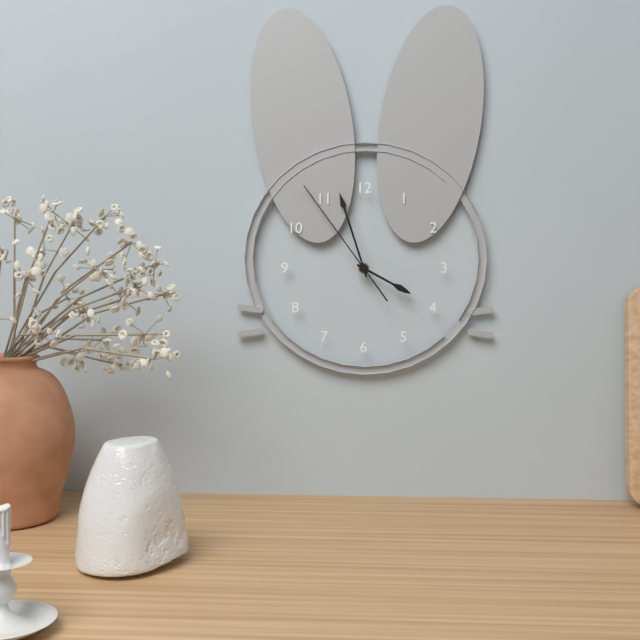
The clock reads **3:57:54**
